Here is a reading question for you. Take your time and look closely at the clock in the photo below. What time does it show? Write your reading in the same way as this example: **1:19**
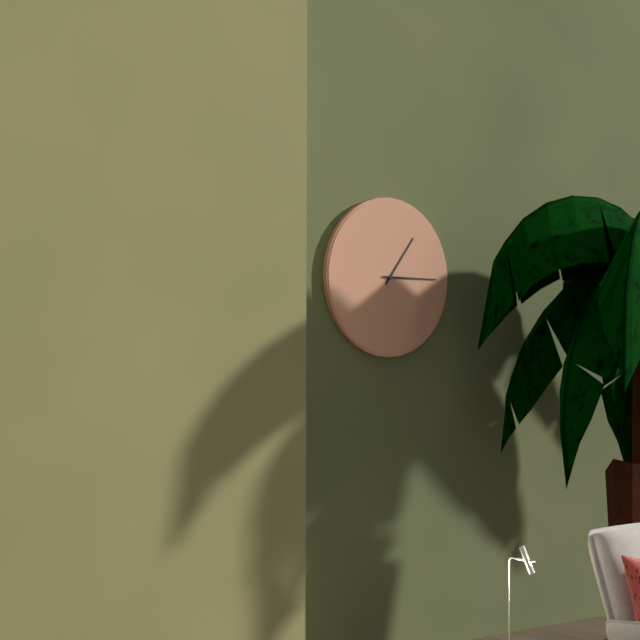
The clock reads **1:15**
